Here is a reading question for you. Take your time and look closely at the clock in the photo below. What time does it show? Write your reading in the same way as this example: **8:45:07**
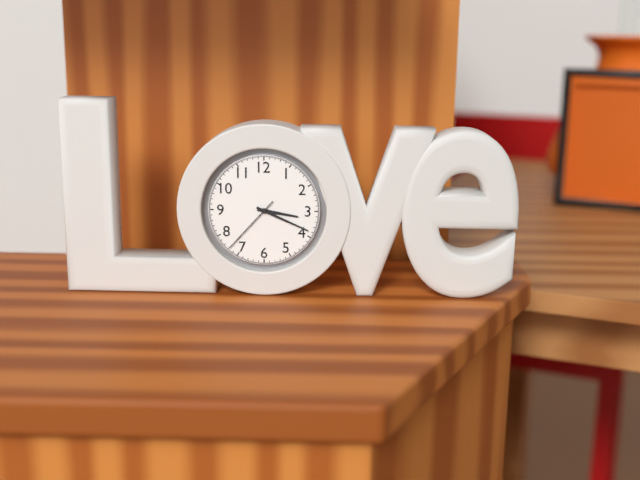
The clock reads **3:19:37**
